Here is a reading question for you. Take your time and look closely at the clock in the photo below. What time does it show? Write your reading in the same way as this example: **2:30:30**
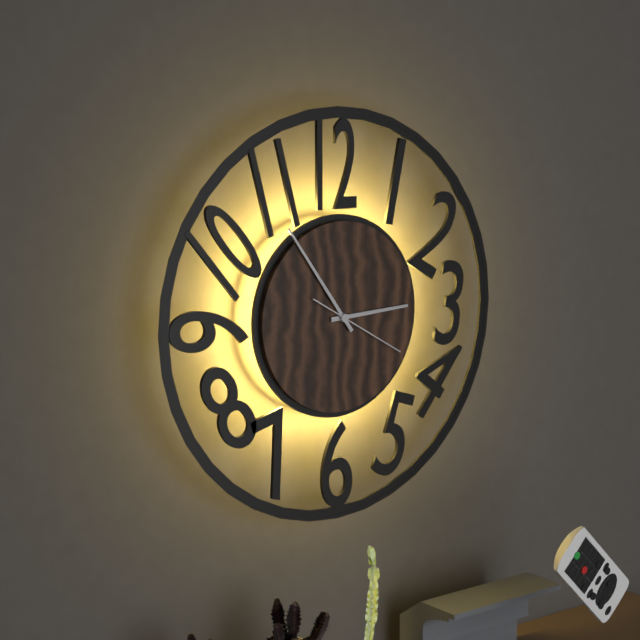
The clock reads **2:54:20**
